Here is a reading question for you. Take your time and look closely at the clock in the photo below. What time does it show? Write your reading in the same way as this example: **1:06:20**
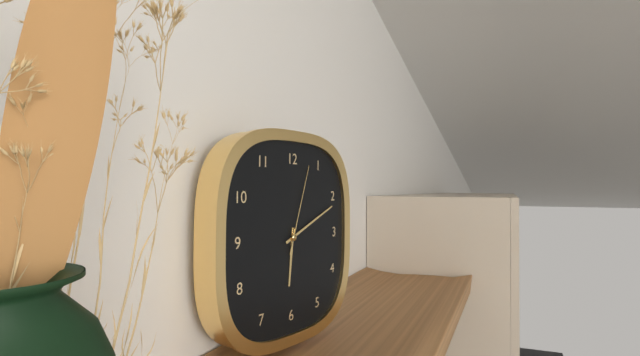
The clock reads **6:11:03**
